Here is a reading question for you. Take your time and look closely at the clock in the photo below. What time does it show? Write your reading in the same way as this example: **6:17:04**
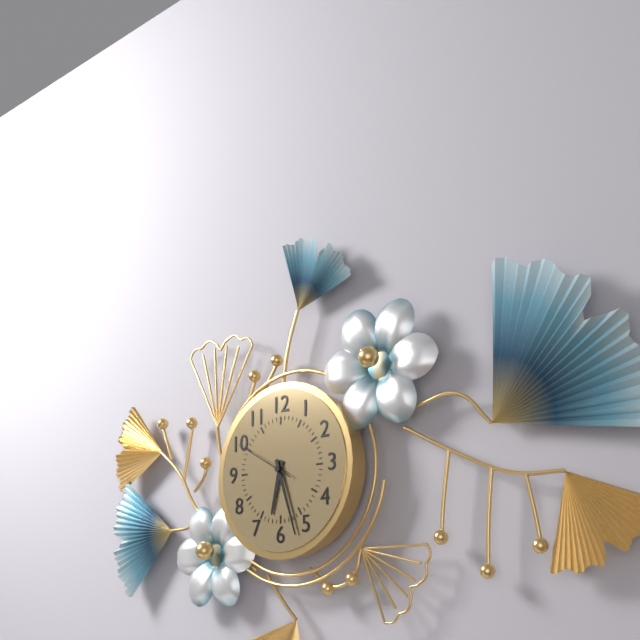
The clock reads **6:27:50**
